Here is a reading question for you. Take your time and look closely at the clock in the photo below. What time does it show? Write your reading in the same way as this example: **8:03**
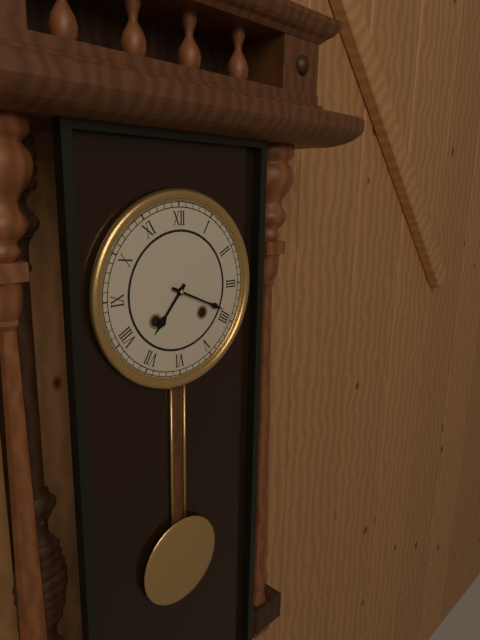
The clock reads **7:19**
